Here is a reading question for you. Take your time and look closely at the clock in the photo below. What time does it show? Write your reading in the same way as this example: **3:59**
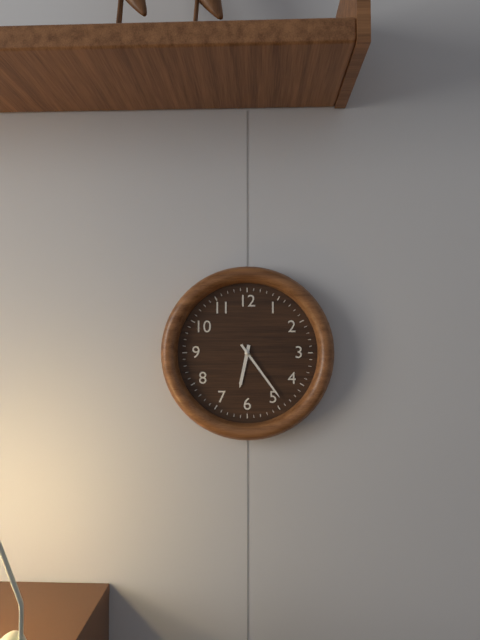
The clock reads **6:24**
